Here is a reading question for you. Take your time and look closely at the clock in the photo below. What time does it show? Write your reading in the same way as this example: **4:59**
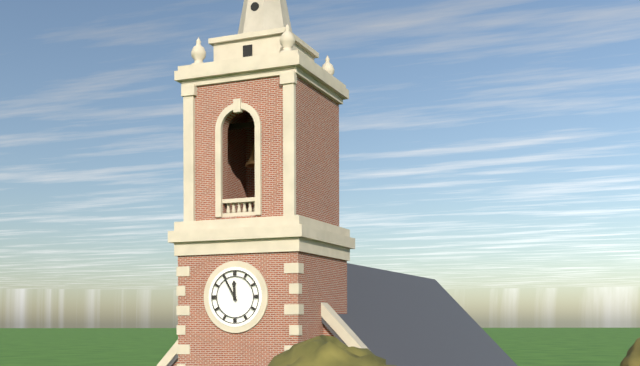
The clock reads **11:55**
